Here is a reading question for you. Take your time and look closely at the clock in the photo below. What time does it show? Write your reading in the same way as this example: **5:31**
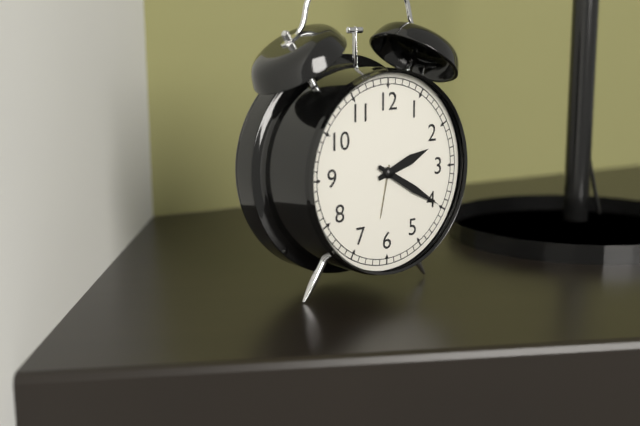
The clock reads **2:20**
